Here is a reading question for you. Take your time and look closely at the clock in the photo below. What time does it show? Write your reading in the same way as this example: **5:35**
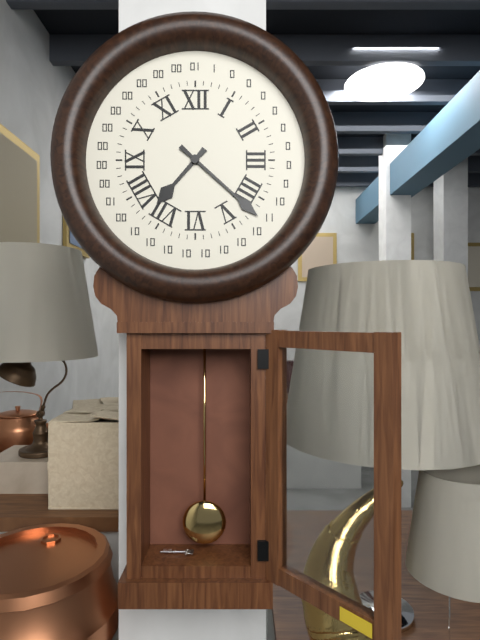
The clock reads **7:22**
